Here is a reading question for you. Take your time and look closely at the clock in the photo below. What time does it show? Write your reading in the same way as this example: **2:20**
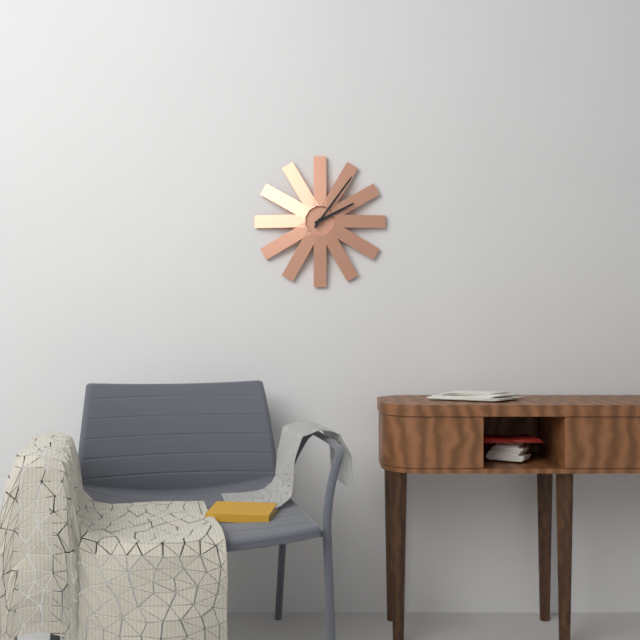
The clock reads **2:06**
